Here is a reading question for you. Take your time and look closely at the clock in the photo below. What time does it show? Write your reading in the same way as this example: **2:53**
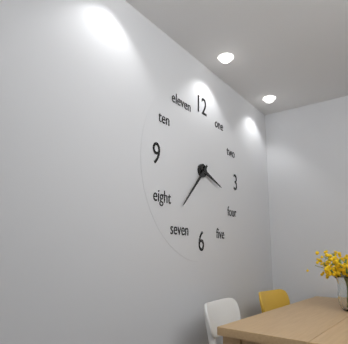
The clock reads **3:37**
